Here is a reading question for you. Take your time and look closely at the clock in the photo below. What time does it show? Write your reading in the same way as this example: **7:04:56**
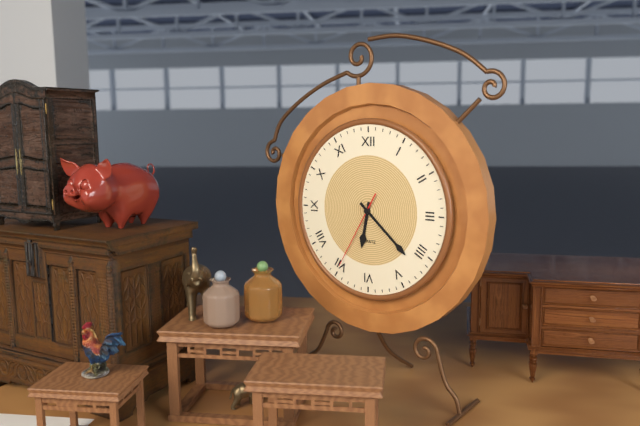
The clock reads **6:22:35**
